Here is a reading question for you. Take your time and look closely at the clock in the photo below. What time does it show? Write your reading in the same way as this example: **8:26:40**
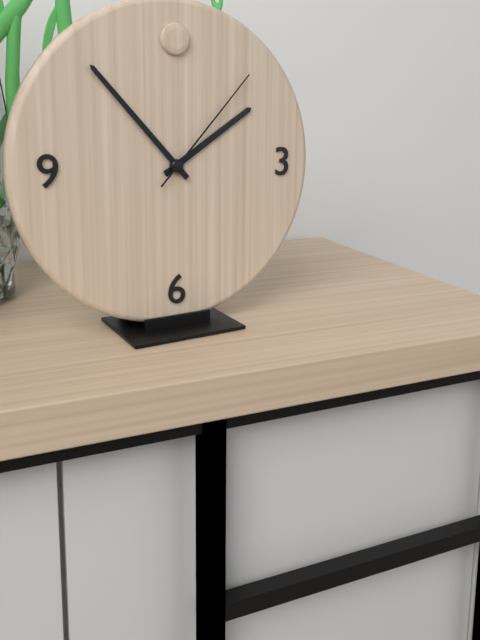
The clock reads **1:53:07**
